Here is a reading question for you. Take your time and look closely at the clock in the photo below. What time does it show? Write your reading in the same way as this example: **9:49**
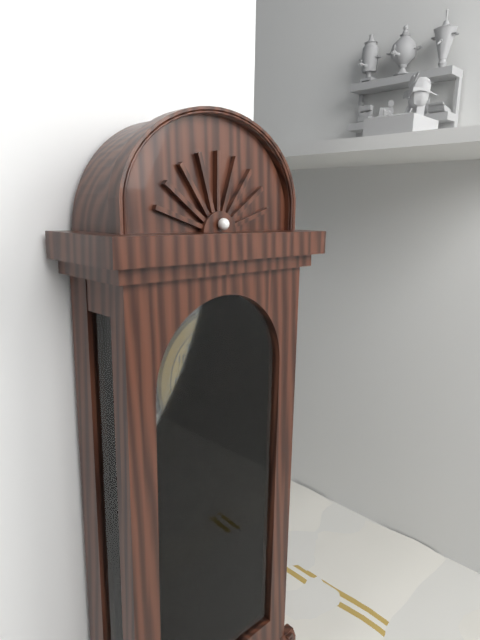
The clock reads **11:53**
